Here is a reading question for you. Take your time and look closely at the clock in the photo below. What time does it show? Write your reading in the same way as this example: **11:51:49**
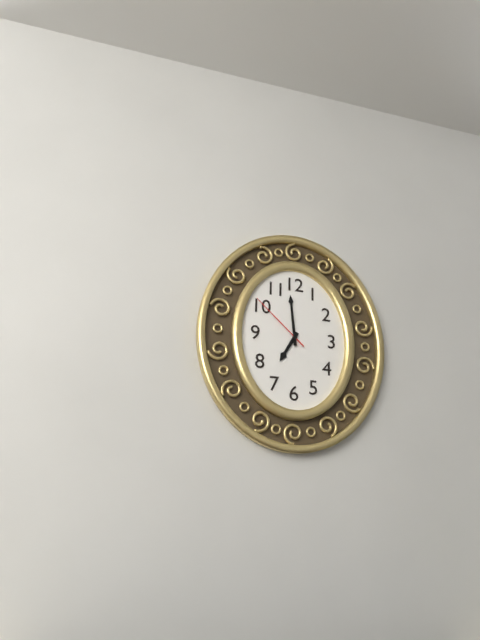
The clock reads **6:59:52**
